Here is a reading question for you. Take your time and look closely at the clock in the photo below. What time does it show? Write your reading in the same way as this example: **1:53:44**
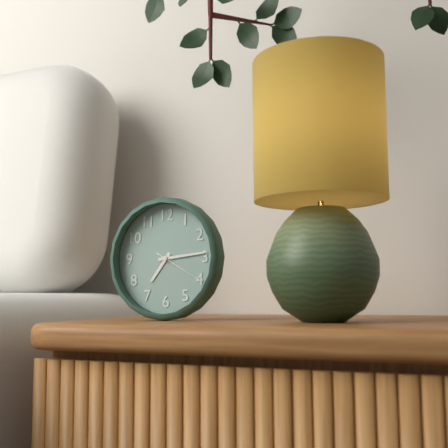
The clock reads **7:14:20**
